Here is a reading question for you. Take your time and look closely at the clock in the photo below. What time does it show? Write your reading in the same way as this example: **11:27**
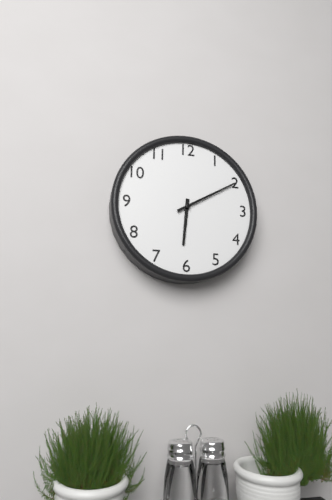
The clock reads **6:10**
